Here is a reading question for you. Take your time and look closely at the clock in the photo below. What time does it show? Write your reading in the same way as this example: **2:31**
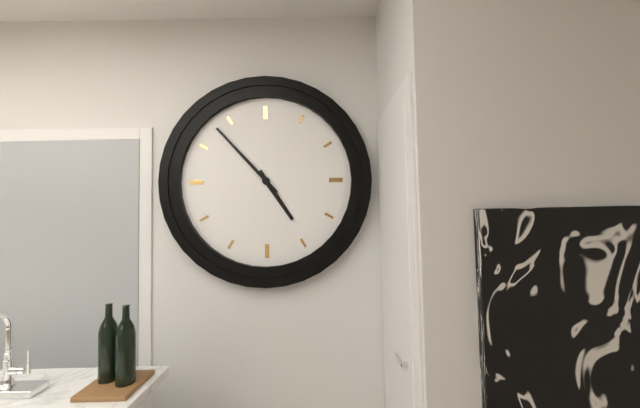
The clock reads **4:53**
